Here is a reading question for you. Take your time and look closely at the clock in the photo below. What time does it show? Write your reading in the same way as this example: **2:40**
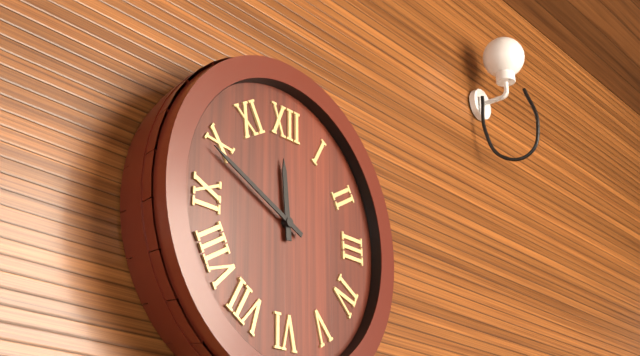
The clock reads **11:49**
